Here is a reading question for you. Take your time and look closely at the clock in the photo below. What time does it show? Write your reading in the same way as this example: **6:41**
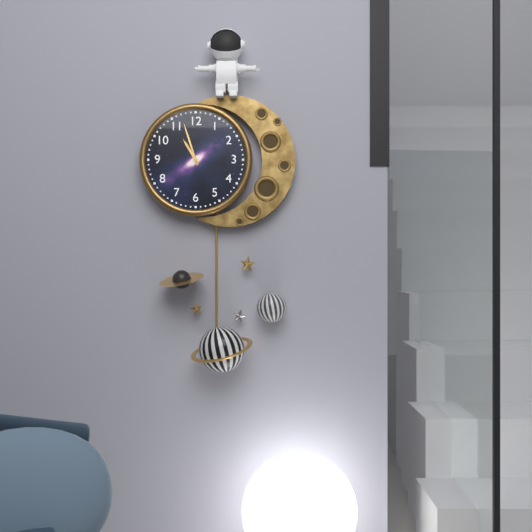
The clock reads **10:57**
